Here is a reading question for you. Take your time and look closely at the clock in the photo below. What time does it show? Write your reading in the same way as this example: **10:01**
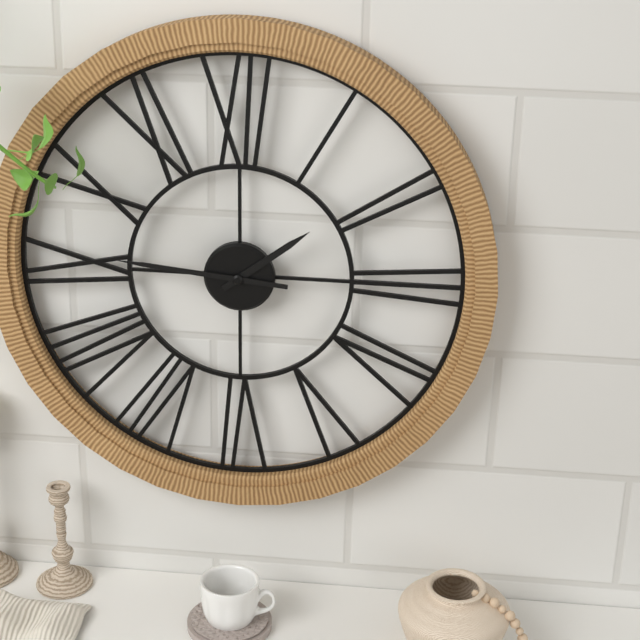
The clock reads **1:46**
